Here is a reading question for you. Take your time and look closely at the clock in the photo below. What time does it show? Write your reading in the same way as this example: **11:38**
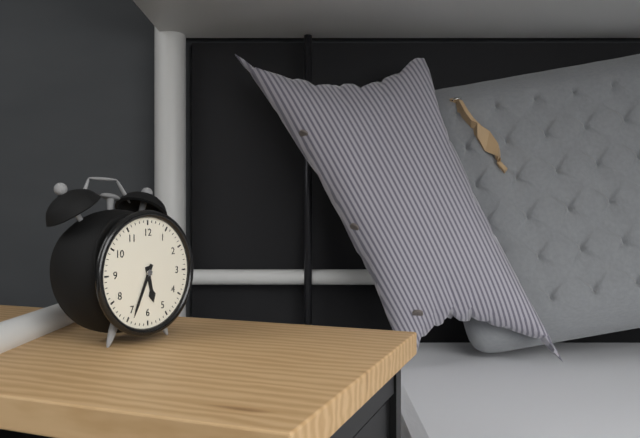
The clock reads **5:34**
